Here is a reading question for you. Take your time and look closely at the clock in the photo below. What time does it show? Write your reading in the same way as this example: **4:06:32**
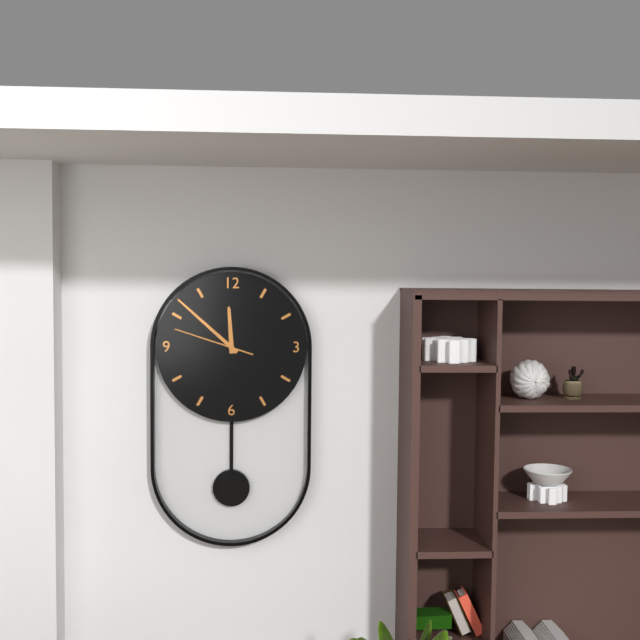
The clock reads **11:52:48**
